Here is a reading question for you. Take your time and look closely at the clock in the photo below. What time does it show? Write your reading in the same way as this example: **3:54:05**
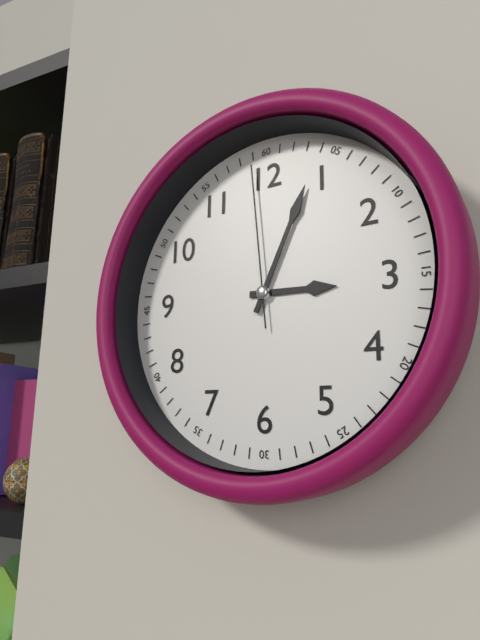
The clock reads **3:04:59**
